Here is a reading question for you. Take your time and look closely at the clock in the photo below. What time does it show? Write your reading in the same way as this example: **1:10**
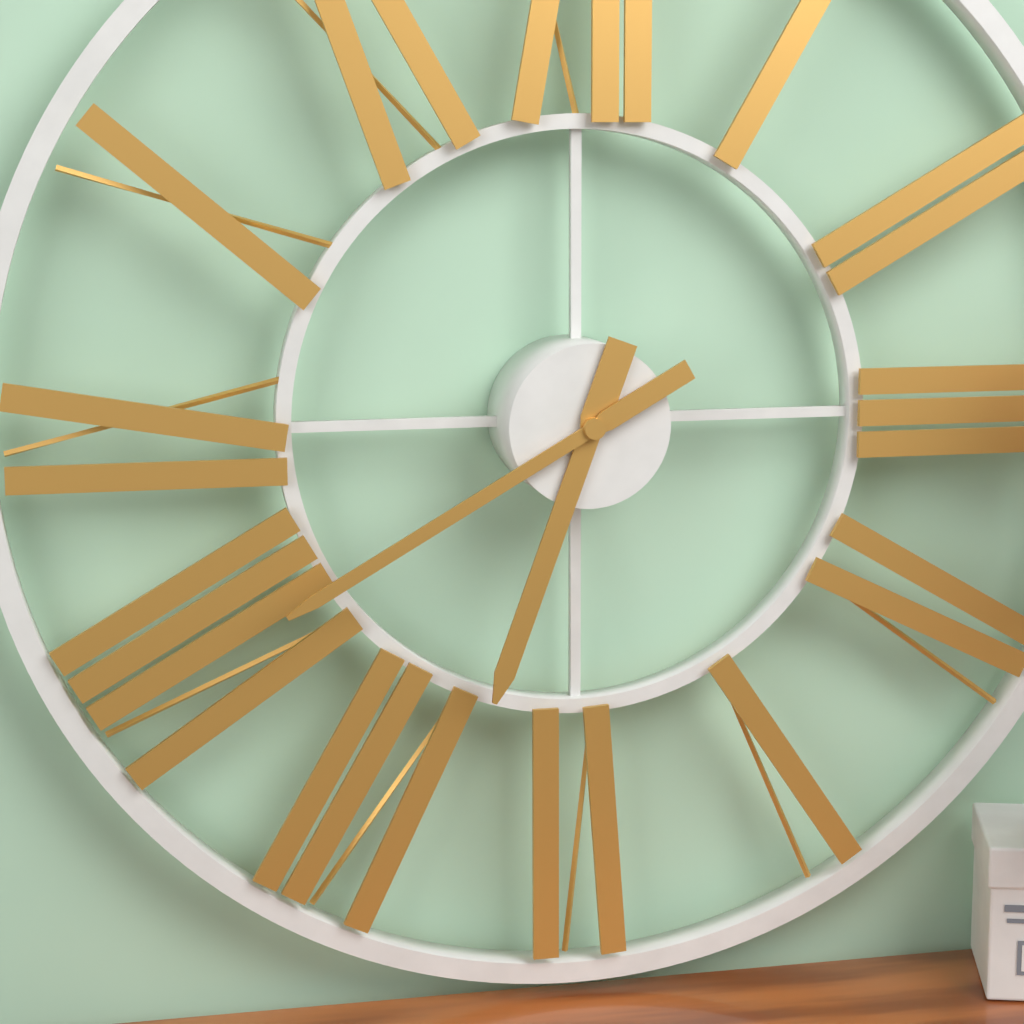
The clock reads **6:40**
